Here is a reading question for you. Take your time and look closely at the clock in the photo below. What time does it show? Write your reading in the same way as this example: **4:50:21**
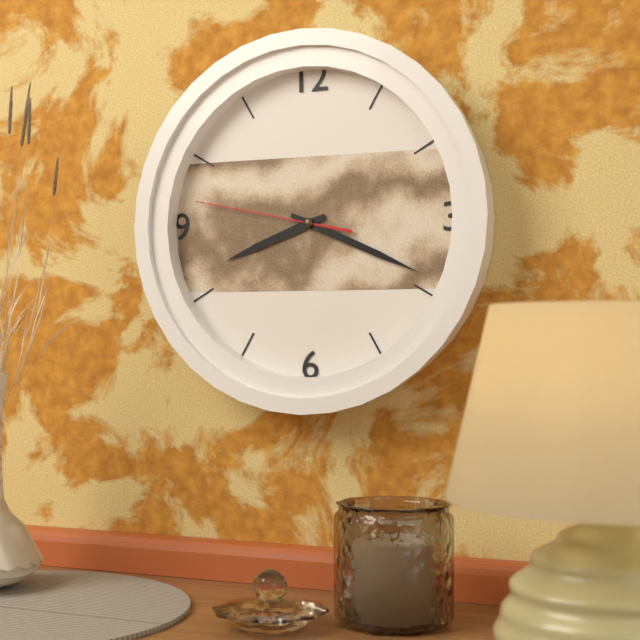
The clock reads **8:19:47**
